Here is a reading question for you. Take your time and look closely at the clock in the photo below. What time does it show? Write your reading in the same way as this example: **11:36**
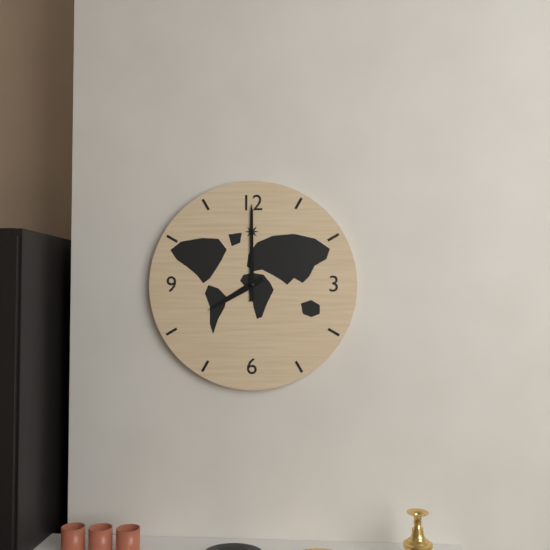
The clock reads **8:00**
